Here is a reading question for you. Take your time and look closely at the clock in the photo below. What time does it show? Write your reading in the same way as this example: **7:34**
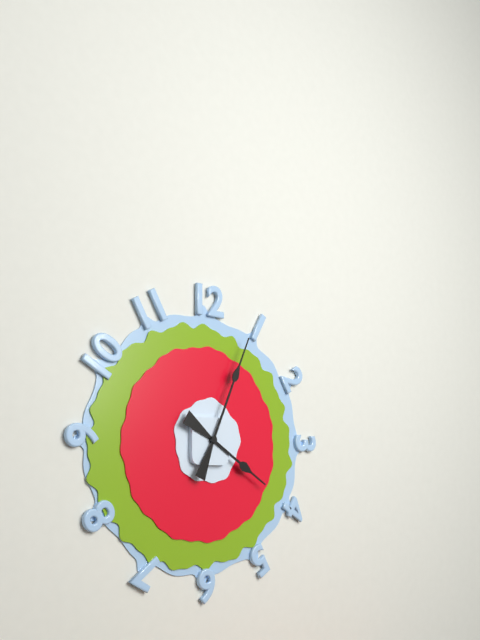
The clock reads **4:04**
